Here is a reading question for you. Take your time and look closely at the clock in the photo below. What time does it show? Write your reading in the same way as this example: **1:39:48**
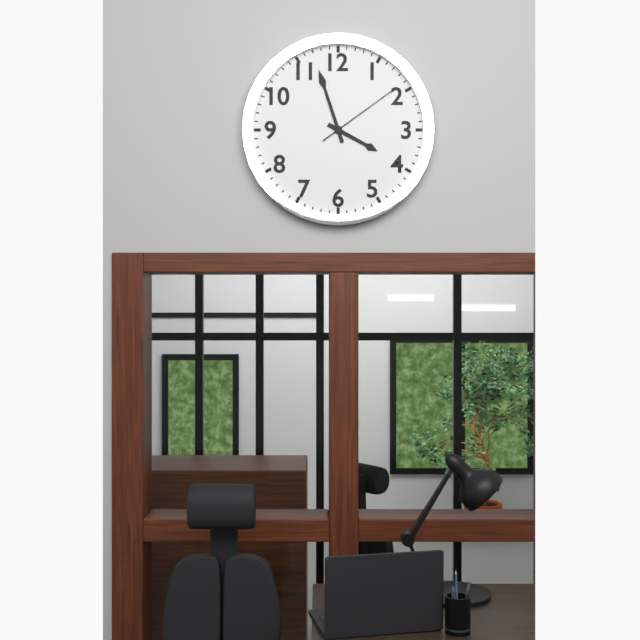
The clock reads **3:57:09**
